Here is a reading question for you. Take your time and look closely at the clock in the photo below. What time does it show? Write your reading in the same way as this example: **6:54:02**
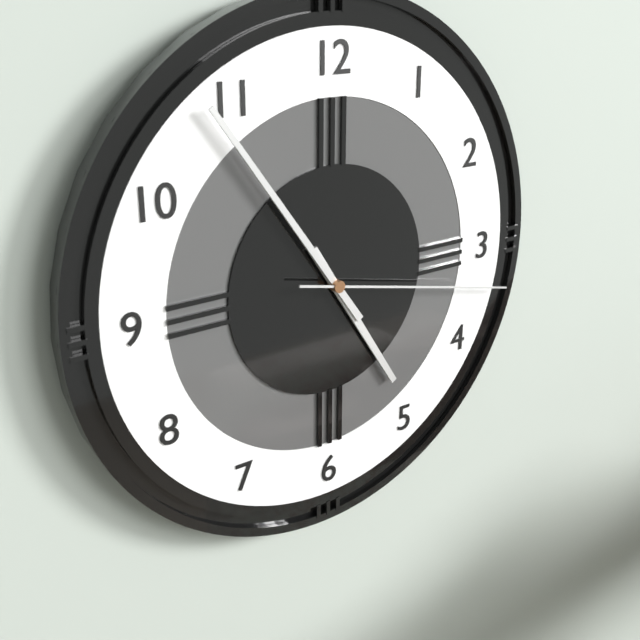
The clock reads **4:54:17**
